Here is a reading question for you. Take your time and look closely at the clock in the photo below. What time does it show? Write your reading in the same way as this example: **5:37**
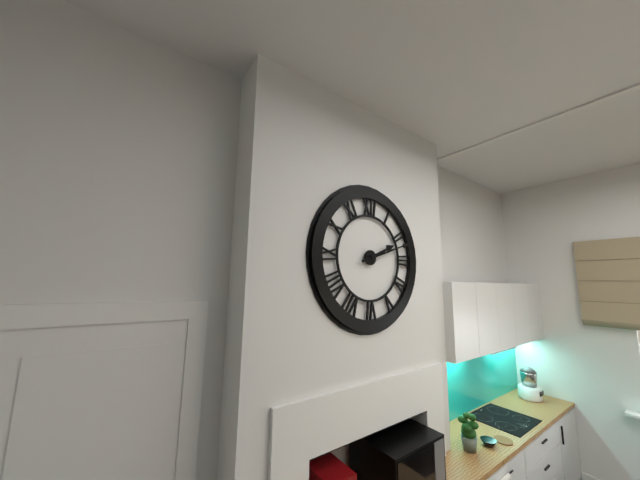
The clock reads **2:12**
